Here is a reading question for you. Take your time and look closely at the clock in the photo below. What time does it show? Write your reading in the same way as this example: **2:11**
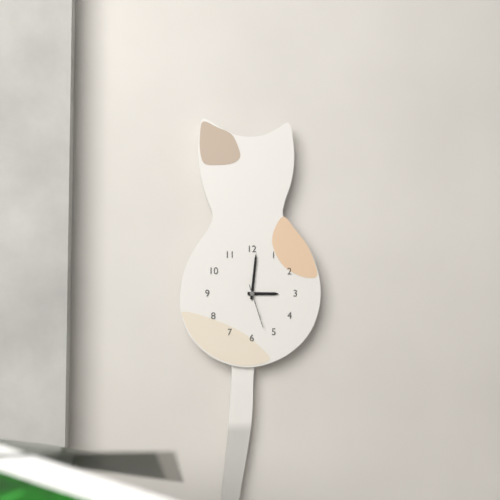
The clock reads **3:01**
